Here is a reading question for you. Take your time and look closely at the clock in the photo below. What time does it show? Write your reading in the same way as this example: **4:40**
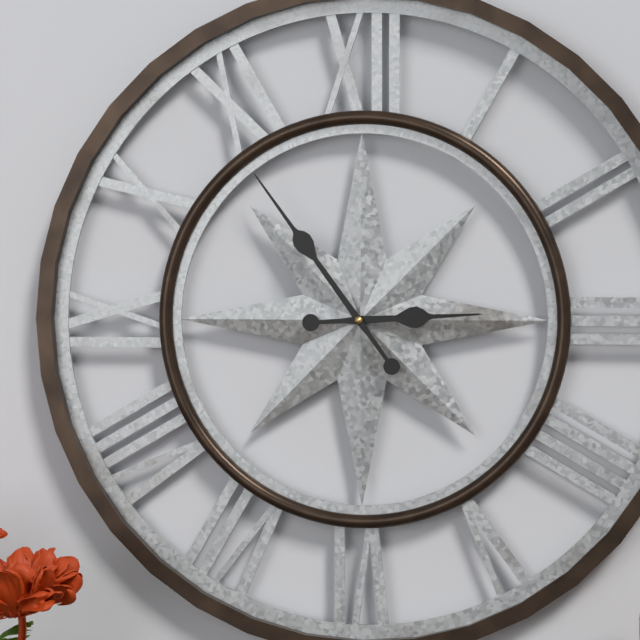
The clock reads **2:54**
